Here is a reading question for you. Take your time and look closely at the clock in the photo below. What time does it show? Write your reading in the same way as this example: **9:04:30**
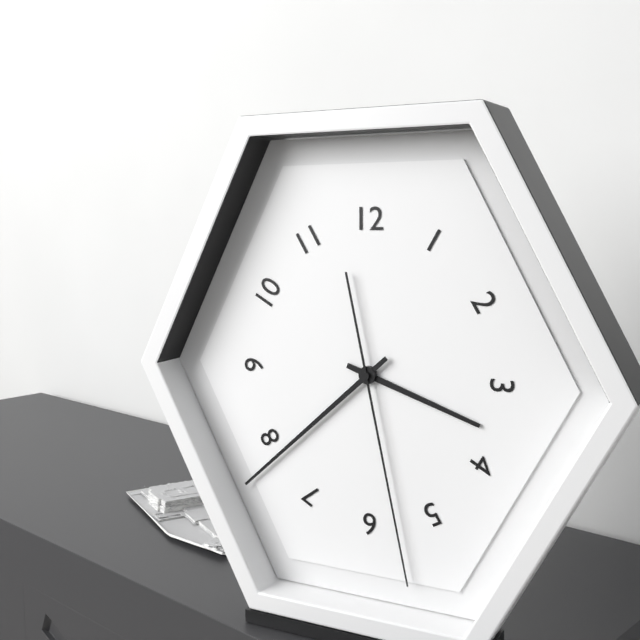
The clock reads **3:38:28**
